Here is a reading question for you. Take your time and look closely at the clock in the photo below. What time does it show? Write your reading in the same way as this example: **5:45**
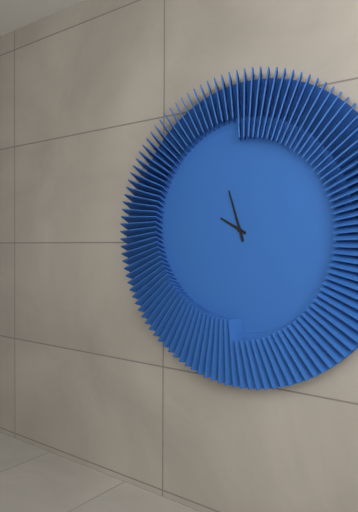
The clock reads **9:57**
